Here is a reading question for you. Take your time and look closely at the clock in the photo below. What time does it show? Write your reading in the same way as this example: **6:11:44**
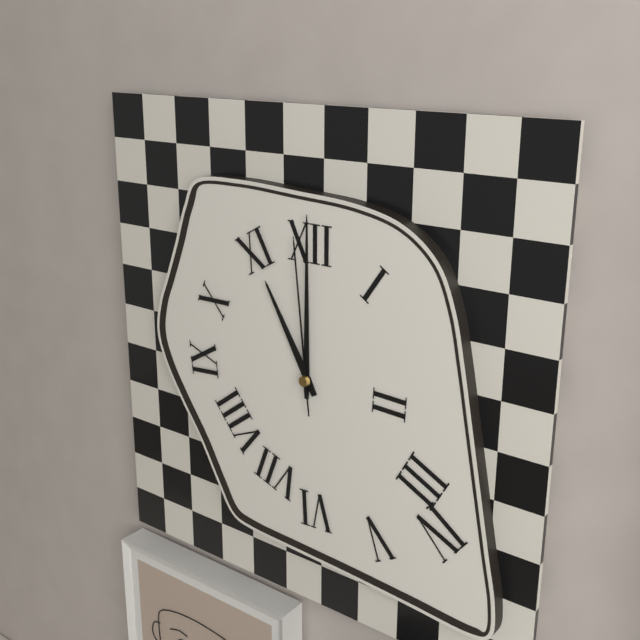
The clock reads **11:00:59**
